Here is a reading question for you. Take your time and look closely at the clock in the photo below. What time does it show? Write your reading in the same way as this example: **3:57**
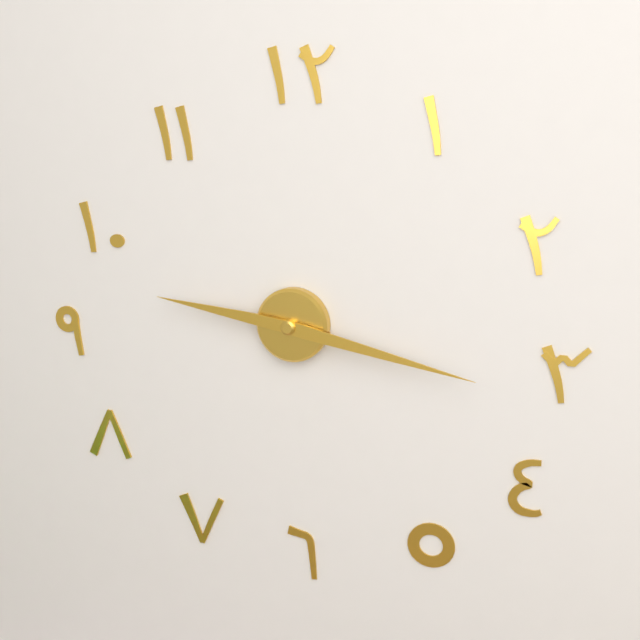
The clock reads **9:17**
